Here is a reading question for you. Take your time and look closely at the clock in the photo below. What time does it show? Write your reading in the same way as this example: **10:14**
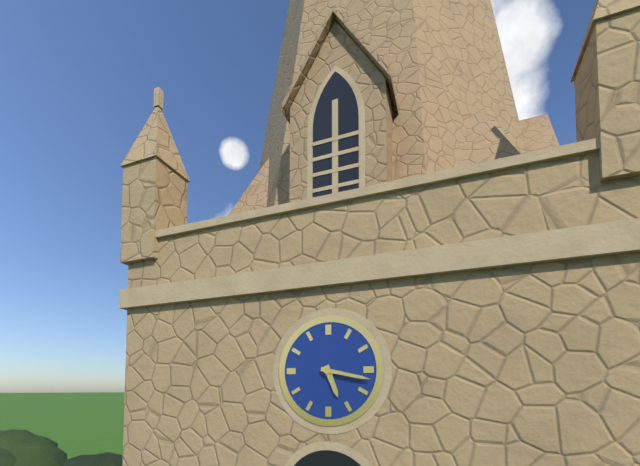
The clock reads **5:17**
